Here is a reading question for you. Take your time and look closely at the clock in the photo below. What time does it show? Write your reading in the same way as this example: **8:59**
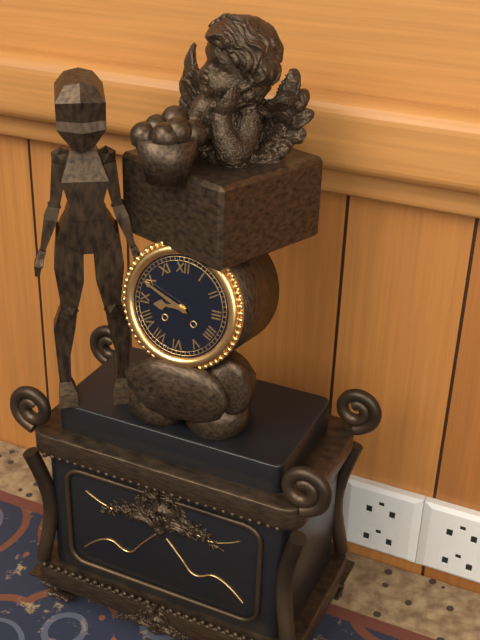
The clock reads **8:49**
